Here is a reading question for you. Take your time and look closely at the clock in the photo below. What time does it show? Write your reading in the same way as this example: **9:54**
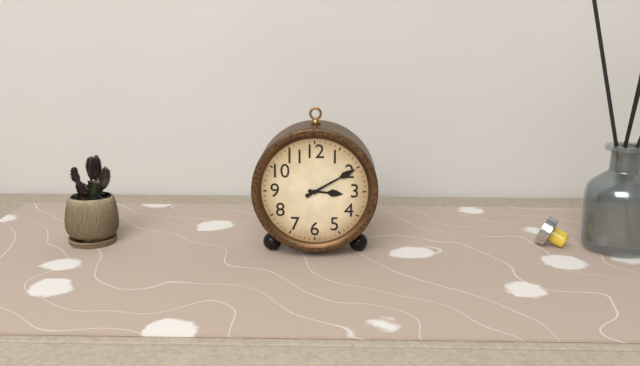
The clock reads **3:10**
